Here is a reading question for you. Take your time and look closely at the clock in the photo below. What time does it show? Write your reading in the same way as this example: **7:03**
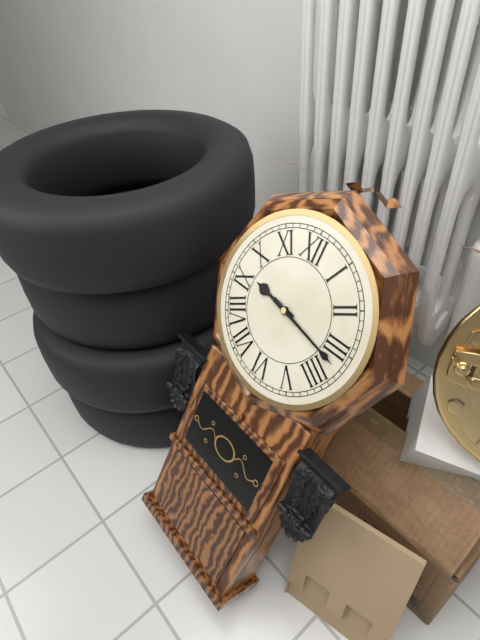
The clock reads **9:17**
